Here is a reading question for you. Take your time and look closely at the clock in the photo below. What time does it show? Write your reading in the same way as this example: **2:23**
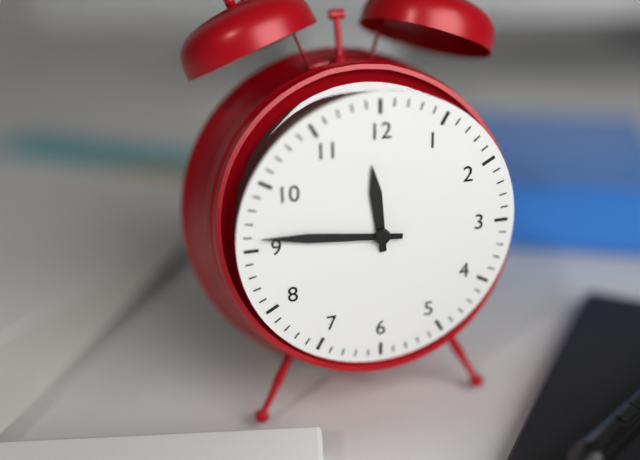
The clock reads **11:46**
